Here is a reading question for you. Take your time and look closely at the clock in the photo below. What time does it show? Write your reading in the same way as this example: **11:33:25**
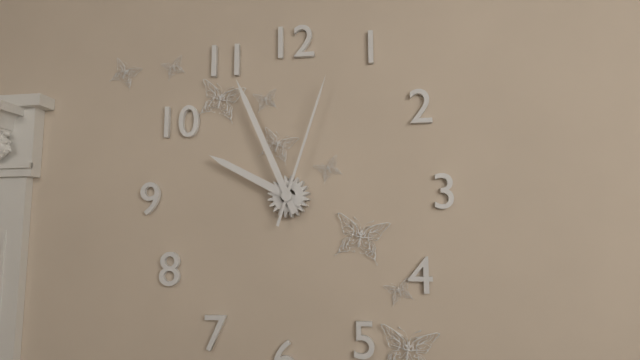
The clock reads **9:56:03**
